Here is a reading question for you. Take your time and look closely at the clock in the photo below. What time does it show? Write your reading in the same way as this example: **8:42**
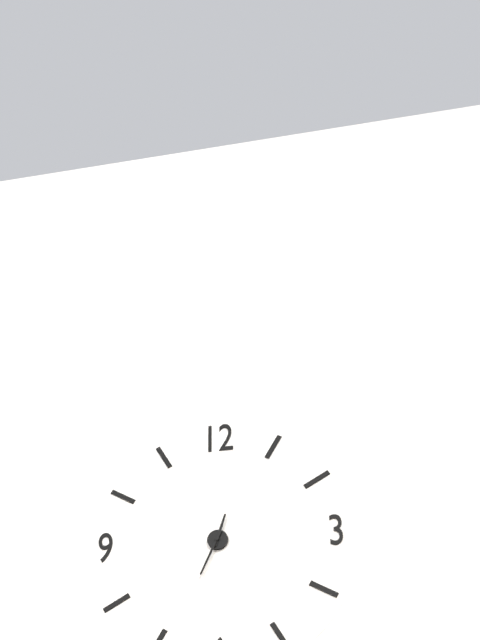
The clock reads **12:34**
